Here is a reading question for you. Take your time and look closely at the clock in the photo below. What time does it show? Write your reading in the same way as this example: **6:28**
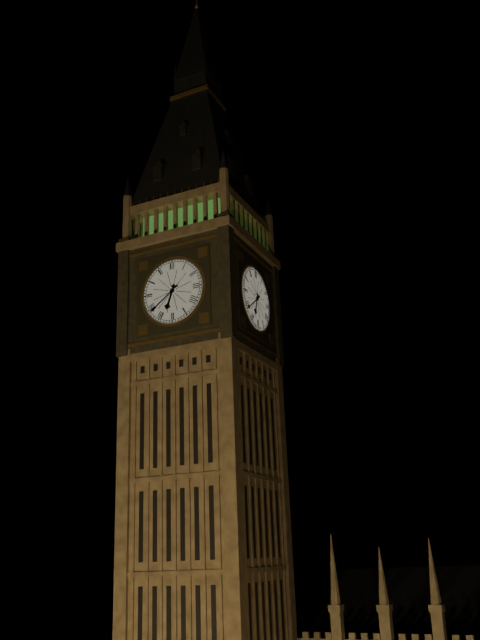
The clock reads **6:39**
